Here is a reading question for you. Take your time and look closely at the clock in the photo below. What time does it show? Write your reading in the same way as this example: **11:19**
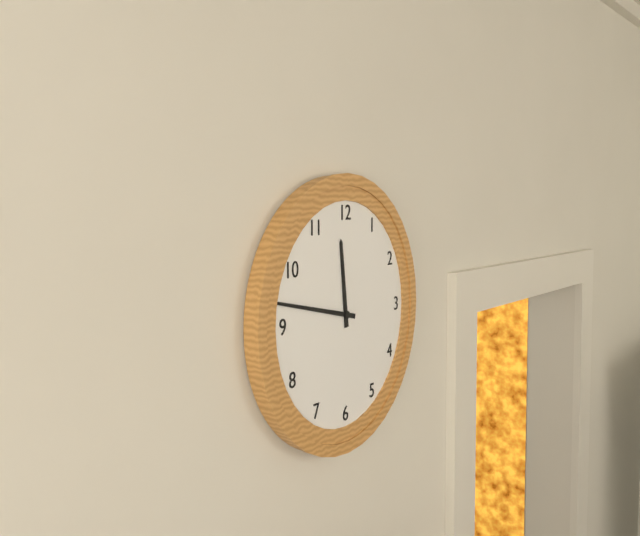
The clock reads **11:47**
